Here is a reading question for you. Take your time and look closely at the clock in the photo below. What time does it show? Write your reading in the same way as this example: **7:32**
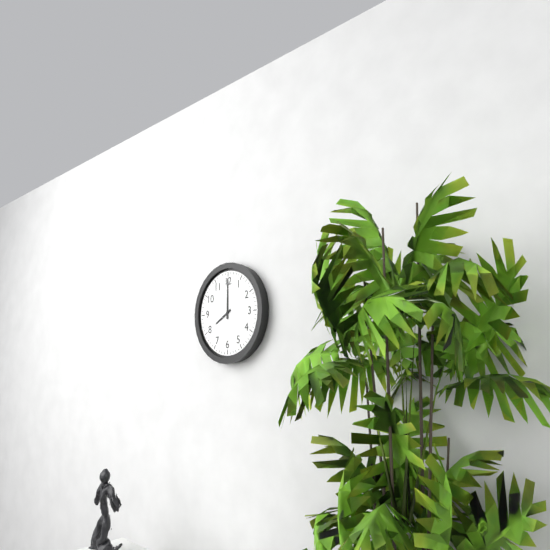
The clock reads **8:00**
